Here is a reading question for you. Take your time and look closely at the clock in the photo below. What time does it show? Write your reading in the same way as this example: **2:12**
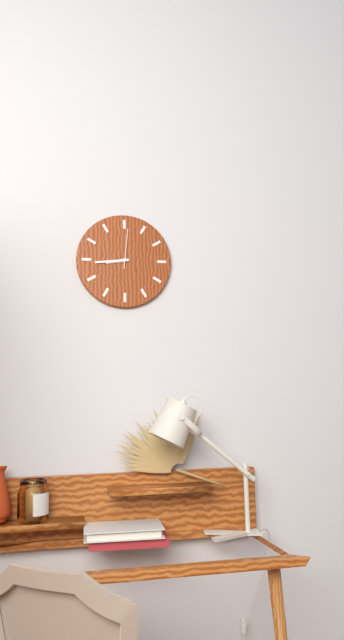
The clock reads **8:44**
